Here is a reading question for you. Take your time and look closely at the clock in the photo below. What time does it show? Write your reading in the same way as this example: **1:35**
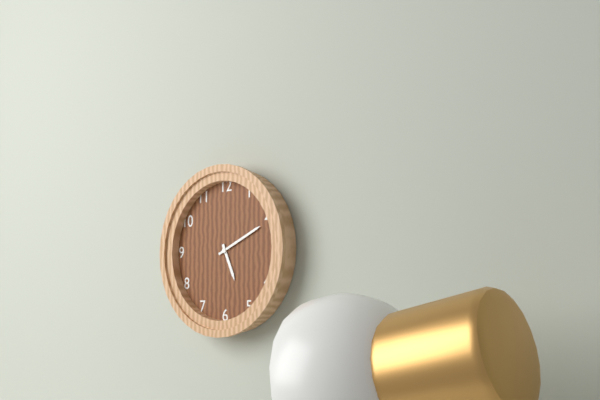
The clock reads **5:11**
